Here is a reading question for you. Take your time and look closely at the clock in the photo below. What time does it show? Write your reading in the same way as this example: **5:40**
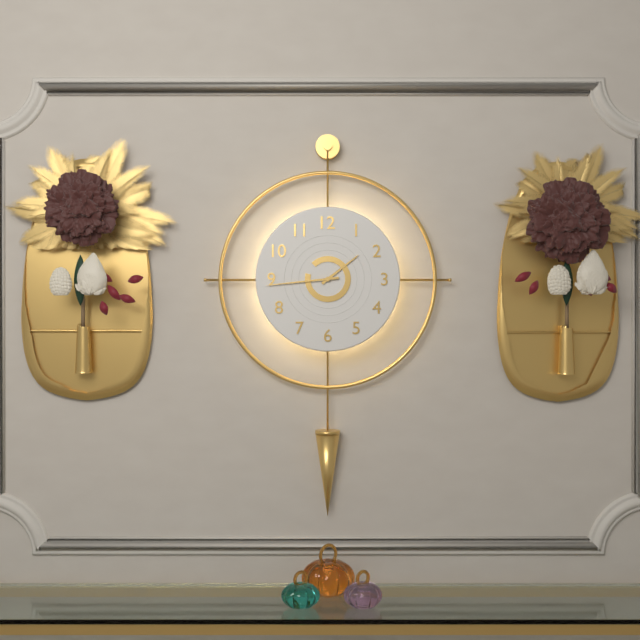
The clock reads **1:44**
